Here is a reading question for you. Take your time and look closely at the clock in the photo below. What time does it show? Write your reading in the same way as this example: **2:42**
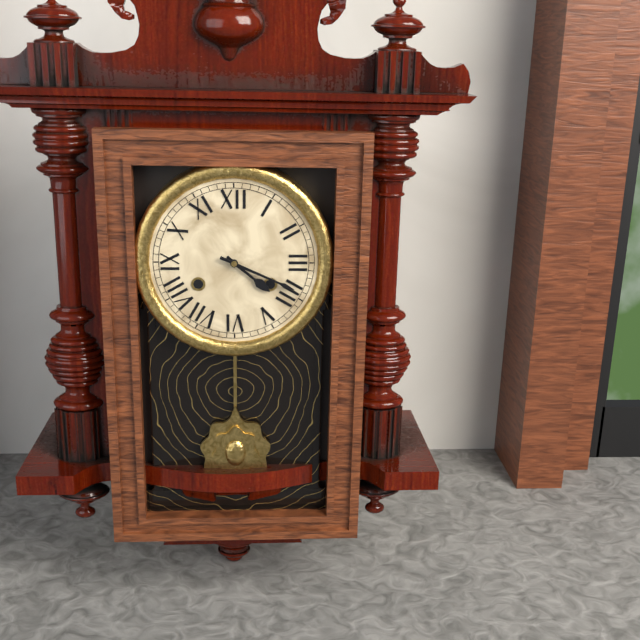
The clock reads **4:19**
